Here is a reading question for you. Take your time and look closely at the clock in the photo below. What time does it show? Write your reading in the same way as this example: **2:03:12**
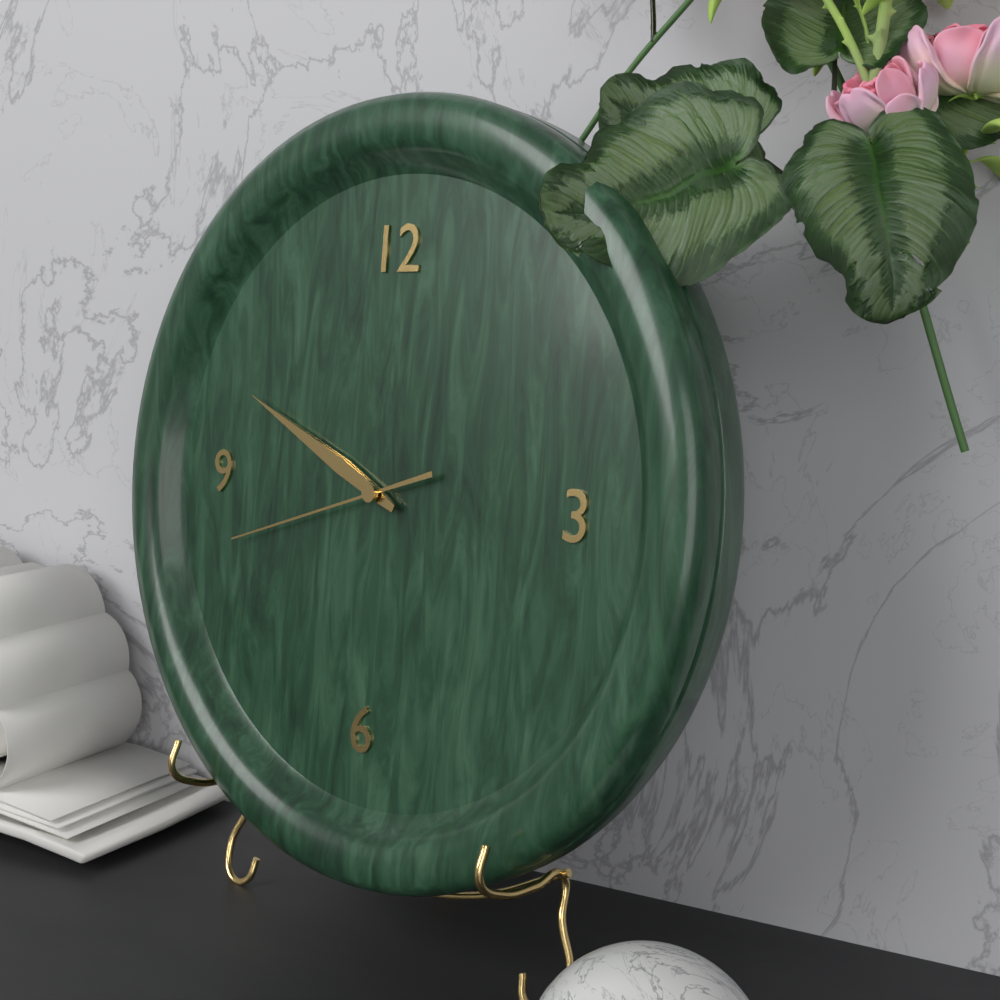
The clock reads **9:49:42**
